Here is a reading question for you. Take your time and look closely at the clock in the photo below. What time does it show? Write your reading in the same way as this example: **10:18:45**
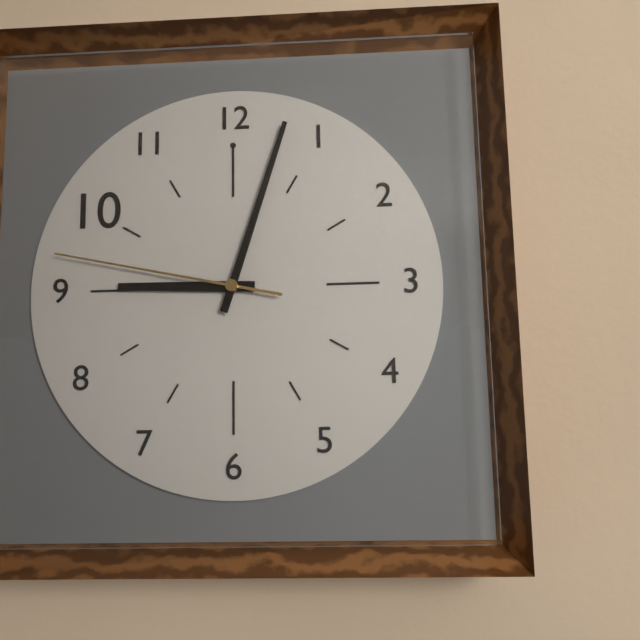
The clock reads **9:03:47**
